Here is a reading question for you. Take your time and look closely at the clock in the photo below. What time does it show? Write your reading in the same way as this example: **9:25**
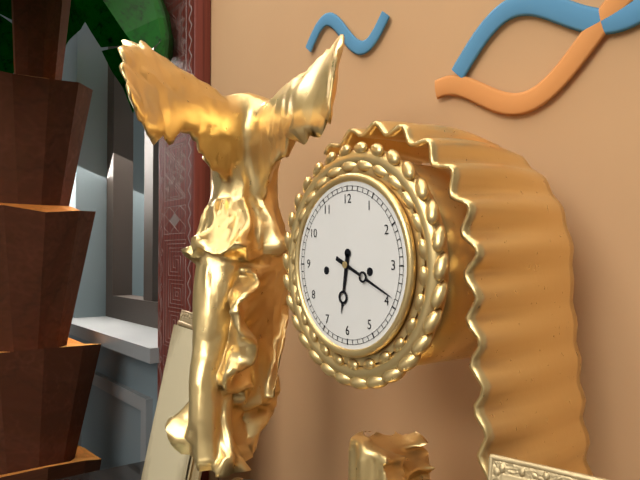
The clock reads **6:19**
